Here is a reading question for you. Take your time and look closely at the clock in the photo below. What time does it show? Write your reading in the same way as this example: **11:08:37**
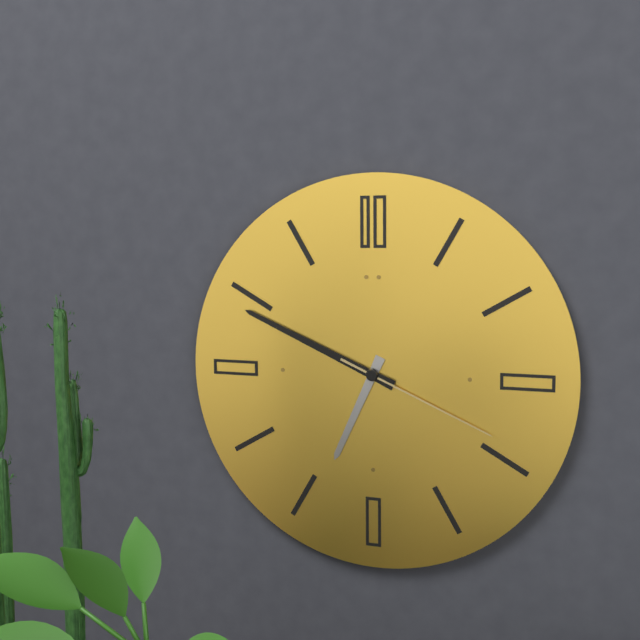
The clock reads **6:49:19**
